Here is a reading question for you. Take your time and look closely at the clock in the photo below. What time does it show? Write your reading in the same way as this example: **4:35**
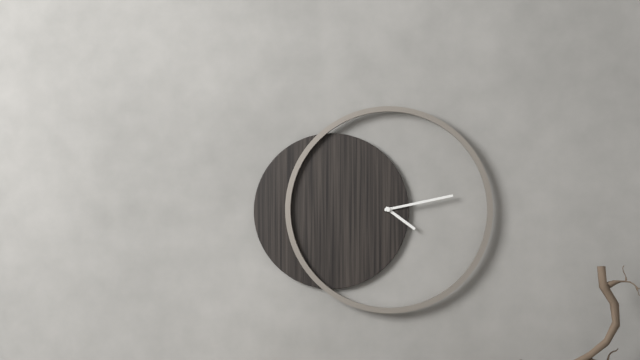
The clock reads **4:13**
